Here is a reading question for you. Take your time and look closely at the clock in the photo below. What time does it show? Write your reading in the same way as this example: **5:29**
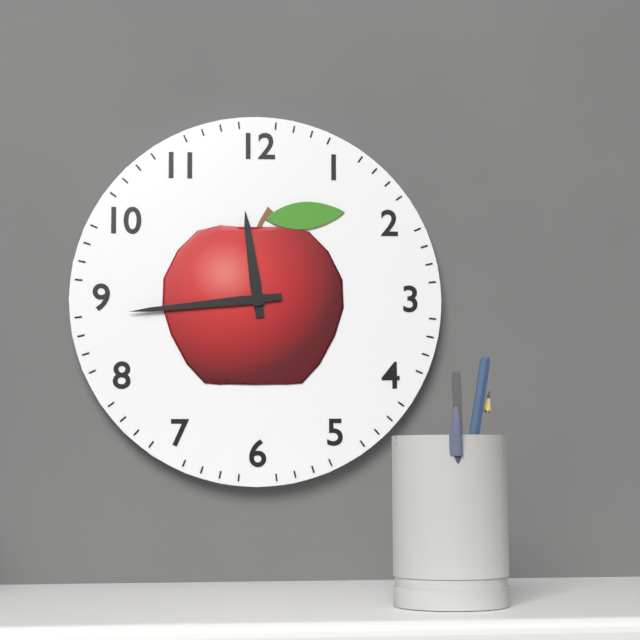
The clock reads **11:44**
